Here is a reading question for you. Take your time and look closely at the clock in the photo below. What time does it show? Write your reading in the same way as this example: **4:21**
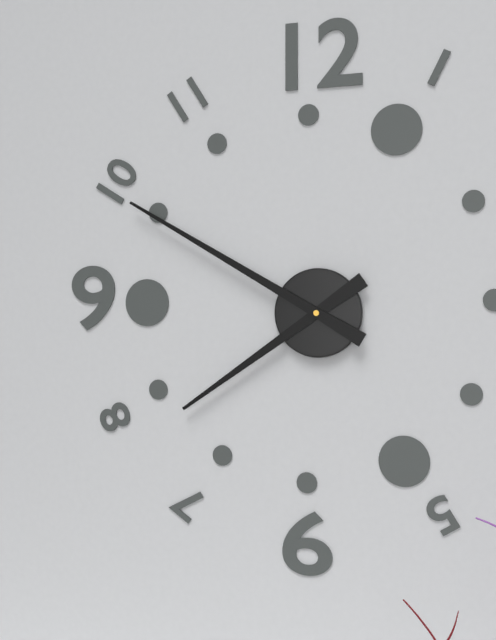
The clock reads **7:50**
